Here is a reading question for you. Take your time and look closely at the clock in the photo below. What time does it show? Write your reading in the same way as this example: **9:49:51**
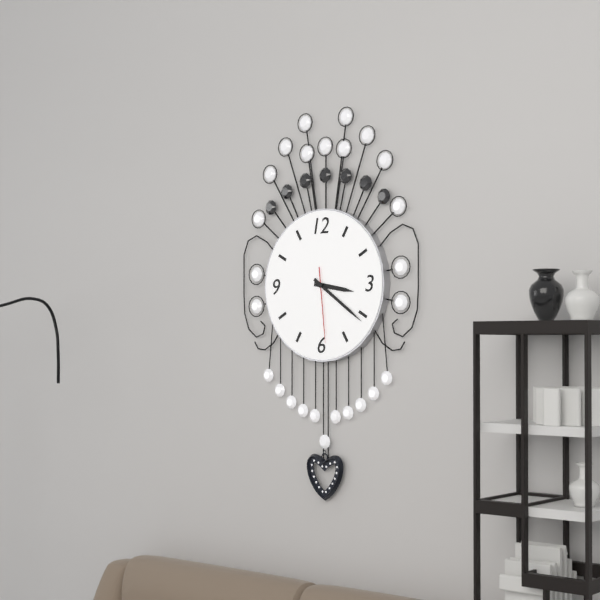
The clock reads **3:21:29**
